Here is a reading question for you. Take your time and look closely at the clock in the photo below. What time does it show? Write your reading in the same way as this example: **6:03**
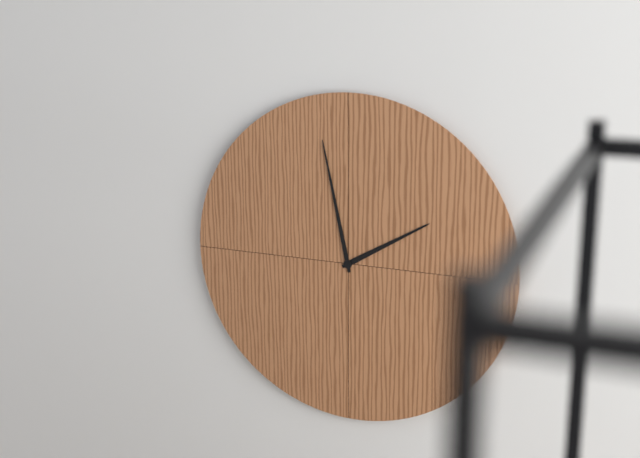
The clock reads **1:58**
